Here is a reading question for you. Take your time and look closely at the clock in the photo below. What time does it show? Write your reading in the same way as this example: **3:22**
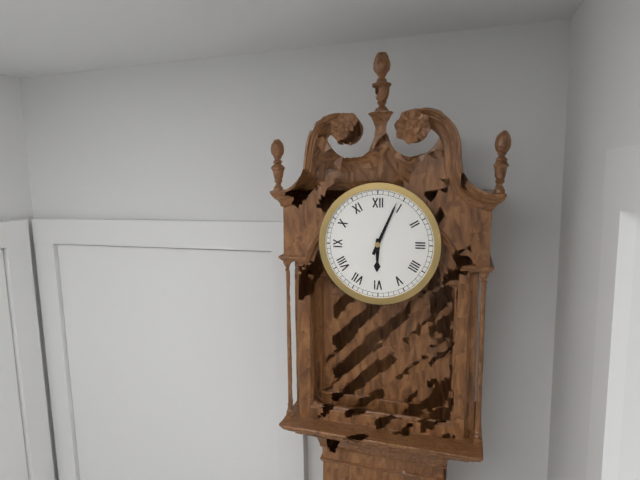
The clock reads **6:04**
